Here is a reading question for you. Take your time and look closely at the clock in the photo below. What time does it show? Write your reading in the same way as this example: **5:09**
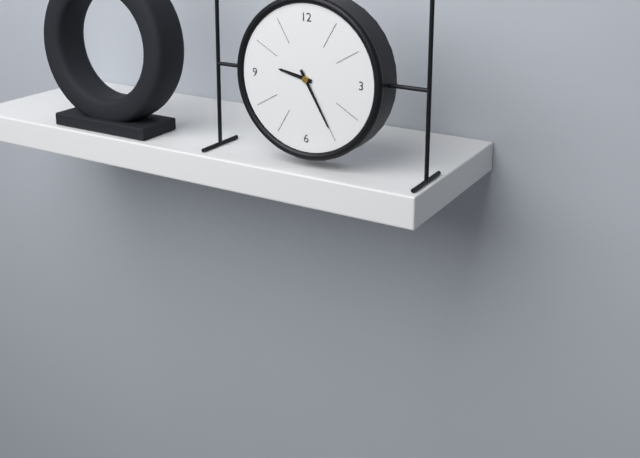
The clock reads **9:25**
